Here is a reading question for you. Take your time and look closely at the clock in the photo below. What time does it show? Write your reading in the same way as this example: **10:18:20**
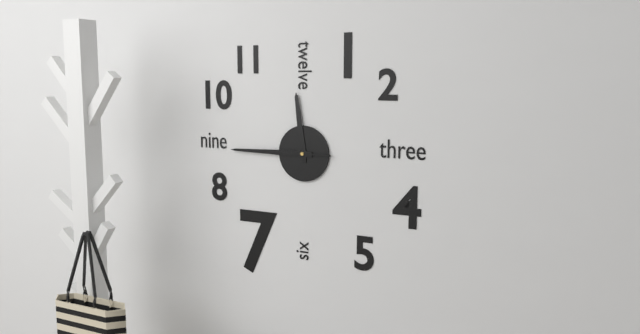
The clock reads **11:45:45**
